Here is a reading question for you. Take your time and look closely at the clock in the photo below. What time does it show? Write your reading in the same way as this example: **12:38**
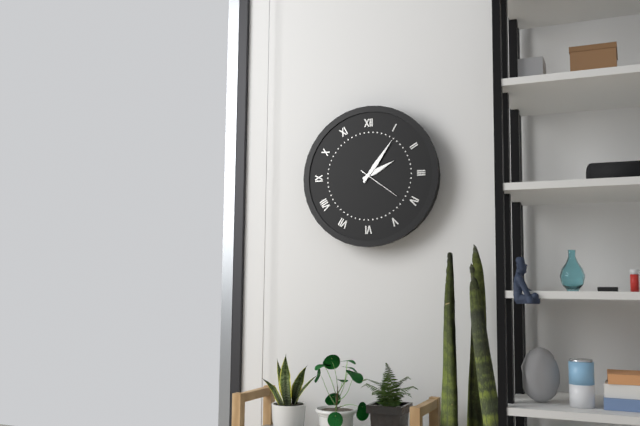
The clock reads **2:06**
